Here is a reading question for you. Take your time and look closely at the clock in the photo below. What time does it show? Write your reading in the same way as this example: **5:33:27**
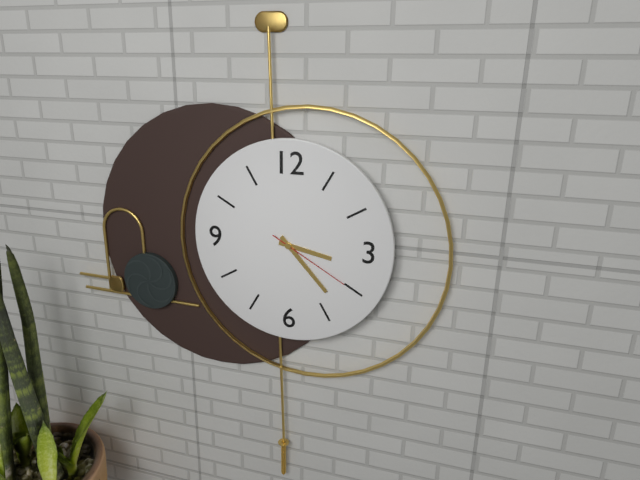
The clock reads **3:23:20**
